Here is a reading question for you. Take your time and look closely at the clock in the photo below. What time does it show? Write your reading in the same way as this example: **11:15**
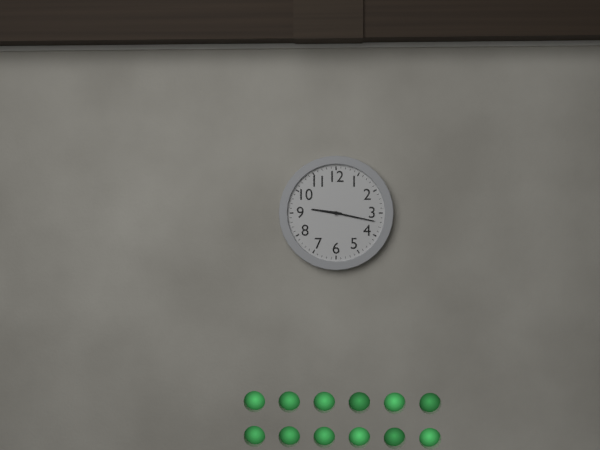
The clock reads **9:17**
